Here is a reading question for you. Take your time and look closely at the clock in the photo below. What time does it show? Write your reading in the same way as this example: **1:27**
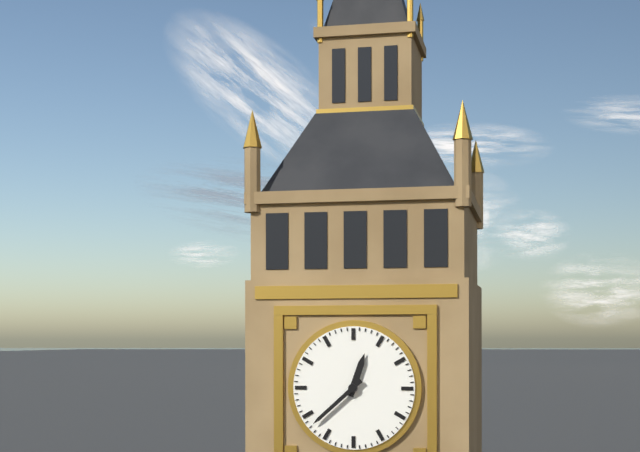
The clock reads **12:38**
